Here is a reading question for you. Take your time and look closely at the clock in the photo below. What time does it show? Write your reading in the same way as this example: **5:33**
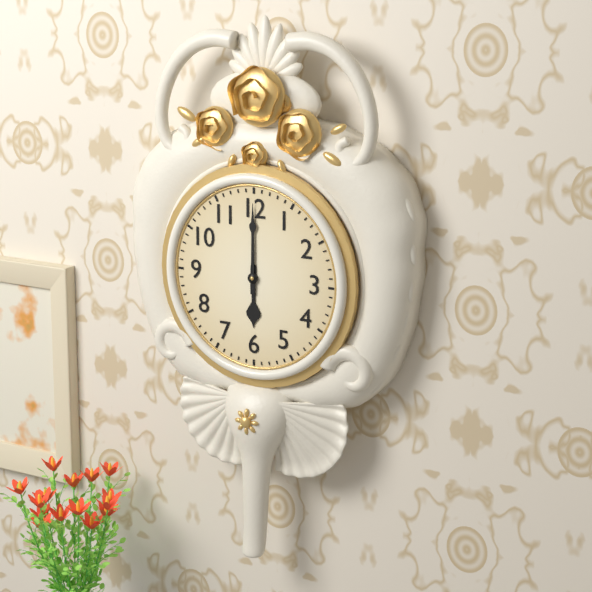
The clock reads **6:00**
